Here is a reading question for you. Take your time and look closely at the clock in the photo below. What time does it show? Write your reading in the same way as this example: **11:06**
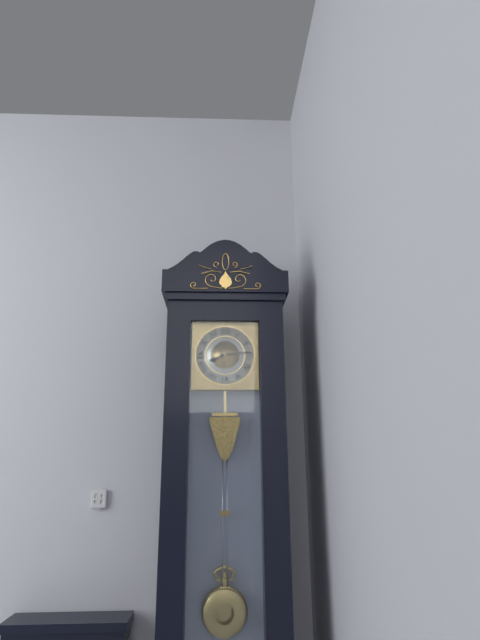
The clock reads **8:14**
